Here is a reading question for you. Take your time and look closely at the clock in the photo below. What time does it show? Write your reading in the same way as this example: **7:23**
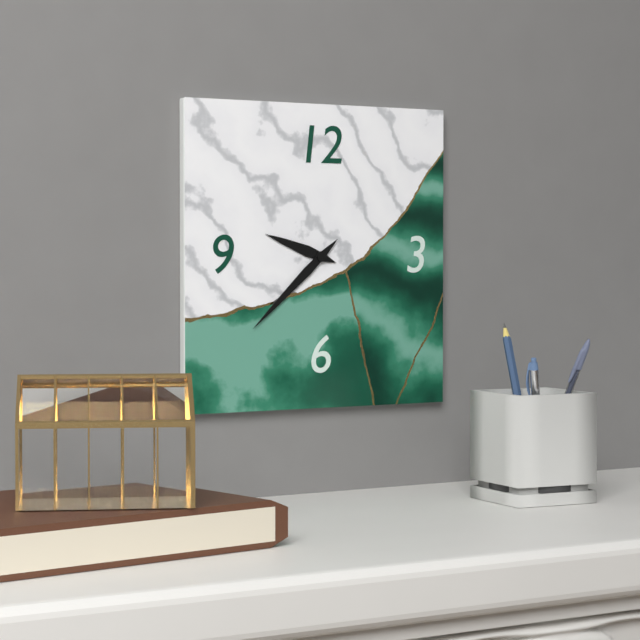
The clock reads **9:38**
